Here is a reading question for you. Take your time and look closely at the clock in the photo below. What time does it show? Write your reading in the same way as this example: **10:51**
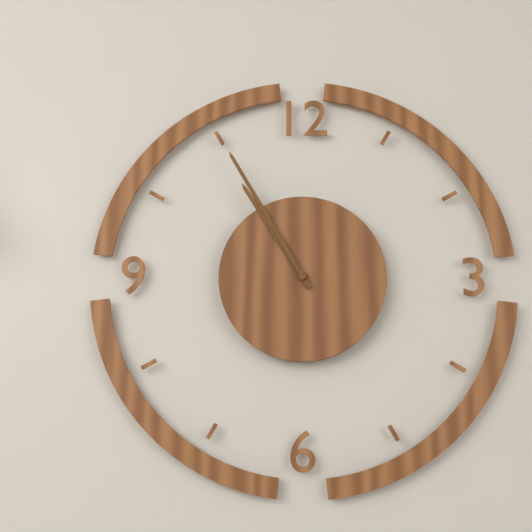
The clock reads **10:55**
